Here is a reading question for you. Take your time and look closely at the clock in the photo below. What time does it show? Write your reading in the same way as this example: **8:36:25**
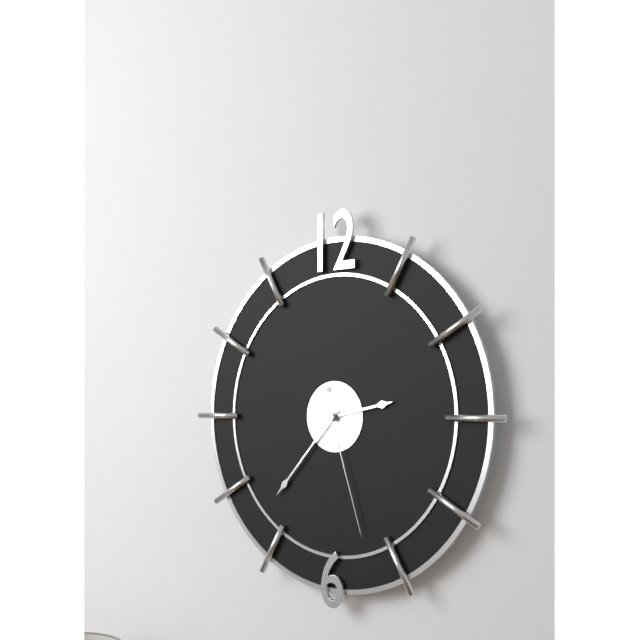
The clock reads **2:37:27**
